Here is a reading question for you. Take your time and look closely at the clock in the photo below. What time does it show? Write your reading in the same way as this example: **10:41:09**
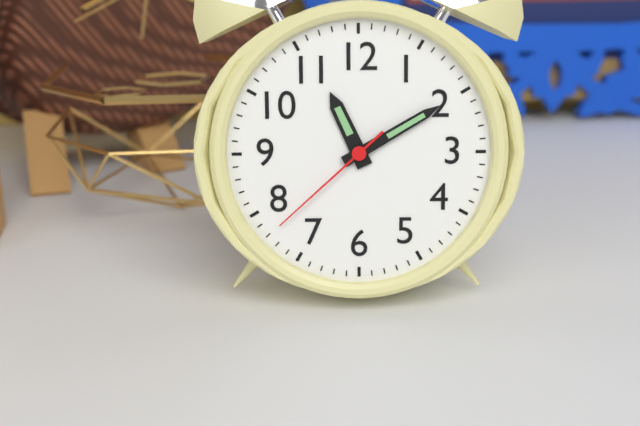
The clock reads **11:10:38**
